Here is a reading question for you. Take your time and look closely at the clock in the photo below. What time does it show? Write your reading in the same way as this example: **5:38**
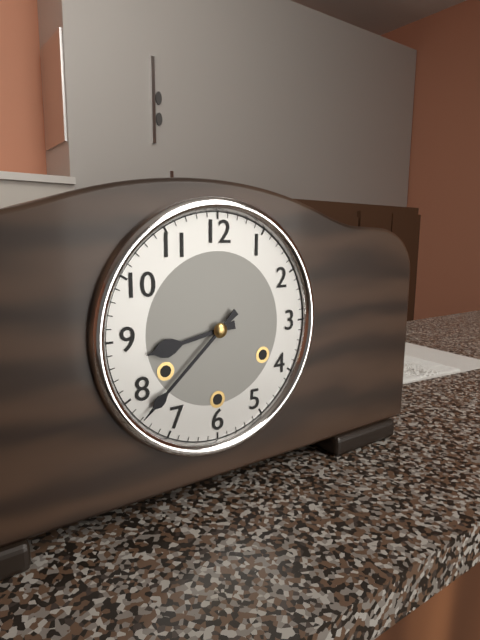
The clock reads **8:38**
